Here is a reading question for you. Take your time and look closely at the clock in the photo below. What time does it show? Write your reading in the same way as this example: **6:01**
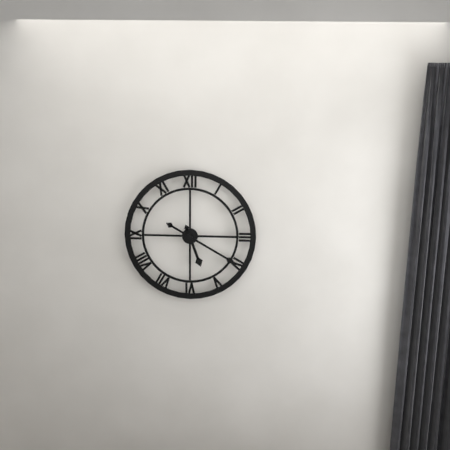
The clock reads **5:20**
